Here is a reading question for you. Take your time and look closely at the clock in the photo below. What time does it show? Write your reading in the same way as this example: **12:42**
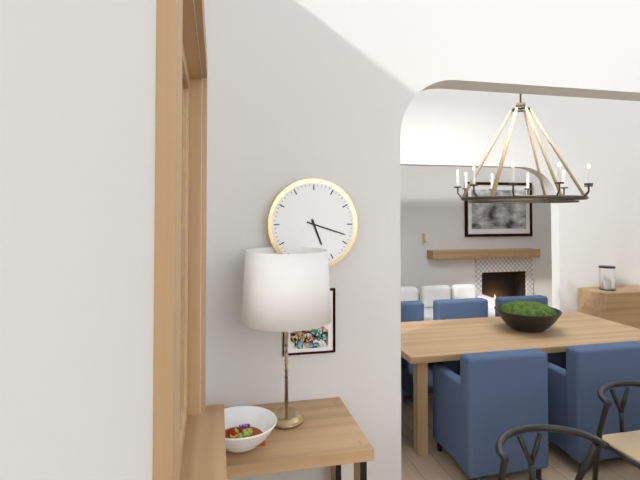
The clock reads **5:18**
